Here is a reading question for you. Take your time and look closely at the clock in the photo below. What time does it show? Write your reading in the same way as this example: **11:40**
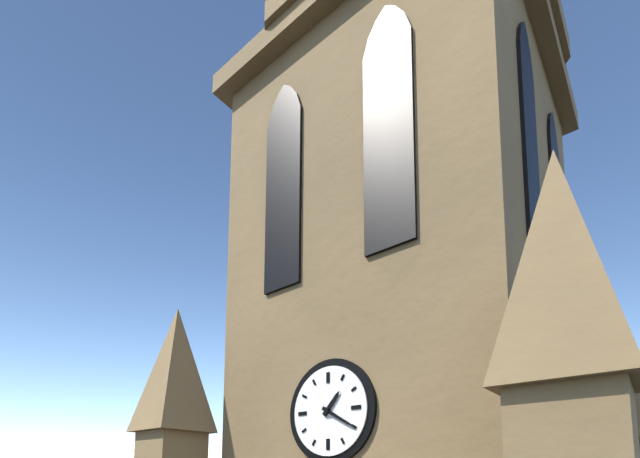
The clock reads **1:20**
